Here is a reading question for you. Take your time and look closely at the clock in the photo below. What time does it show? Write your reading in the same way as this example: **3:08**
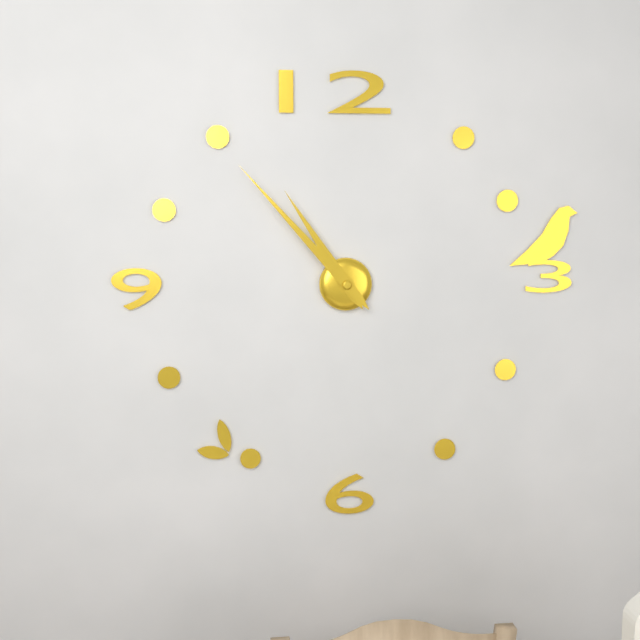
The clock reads **10:53**
